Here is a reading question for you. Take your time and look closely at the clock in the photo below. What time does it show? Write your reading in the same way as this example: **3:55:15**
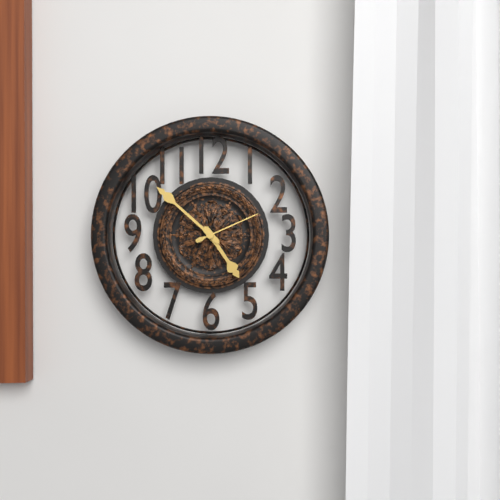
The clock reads **4:52:11**
